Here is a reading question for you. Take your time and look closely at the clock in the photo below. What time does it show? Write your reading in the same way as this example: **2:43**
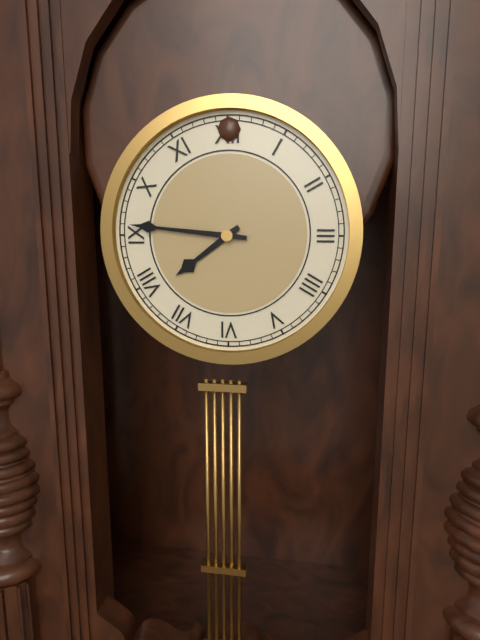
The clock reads **7:46**
